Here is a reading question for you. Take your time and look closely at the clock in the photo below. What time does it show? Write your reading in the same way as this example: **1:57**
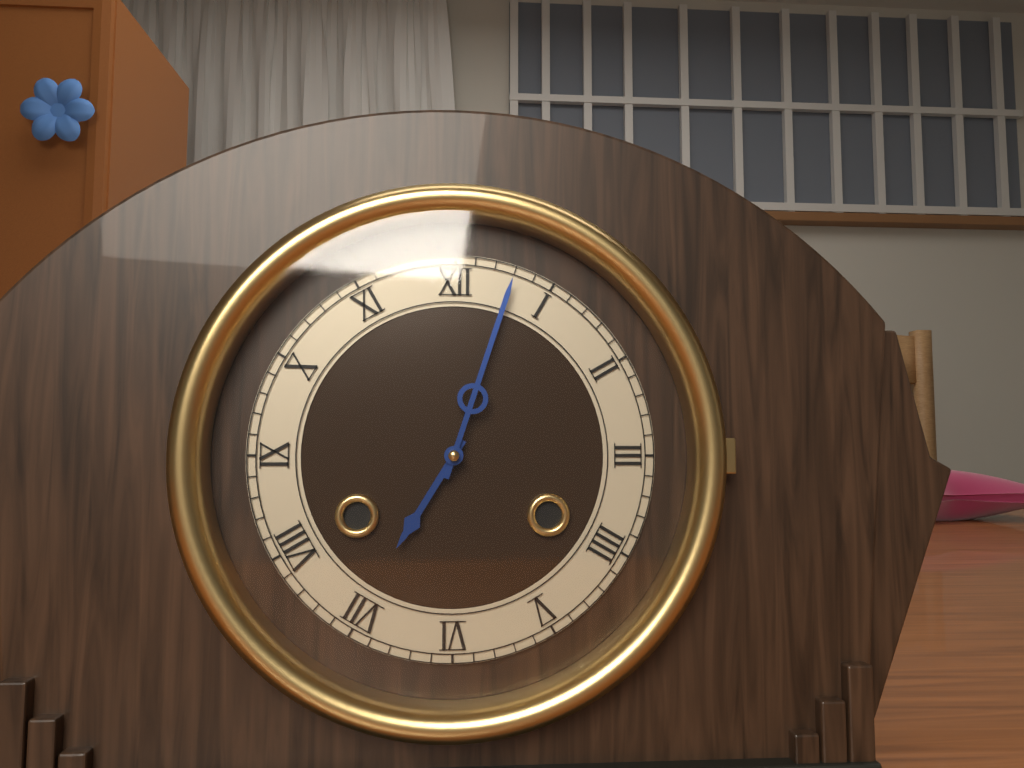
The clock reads **7:03**
